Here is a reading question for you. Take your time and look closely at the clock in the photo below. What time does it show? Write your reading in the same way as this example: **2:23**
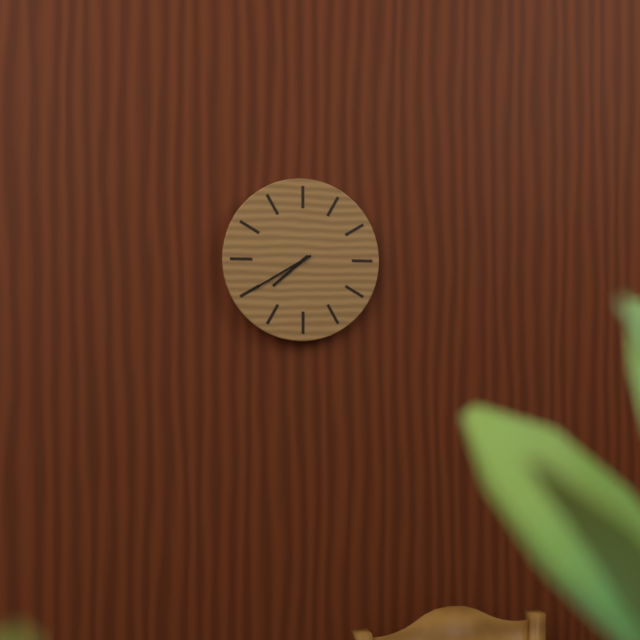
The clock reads **7:40**
